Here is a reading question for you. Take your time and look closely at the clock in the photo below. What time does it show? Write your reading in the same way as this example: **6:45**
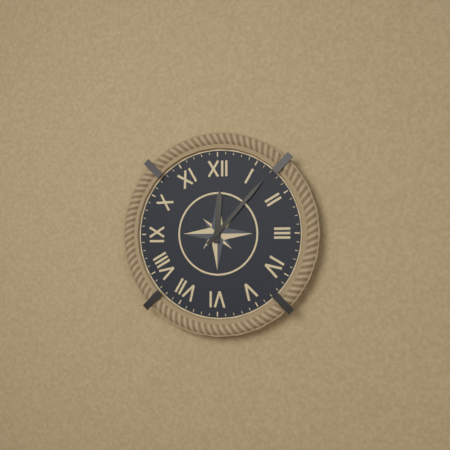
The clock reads **12:07**
